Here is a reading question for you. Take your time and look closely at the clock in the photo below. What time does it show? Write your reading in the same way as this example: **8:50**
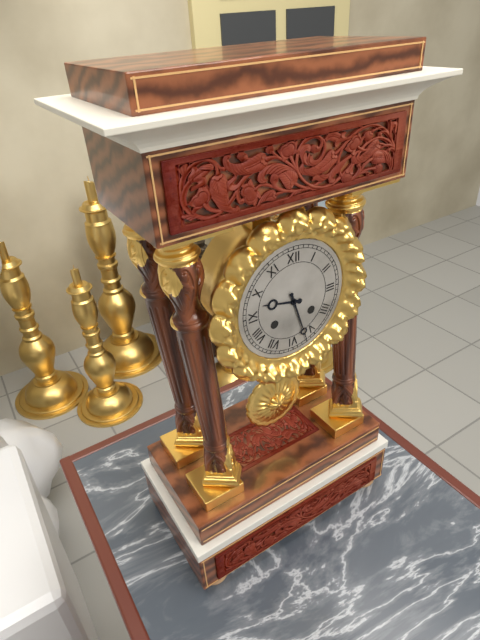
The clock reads **9:27**
